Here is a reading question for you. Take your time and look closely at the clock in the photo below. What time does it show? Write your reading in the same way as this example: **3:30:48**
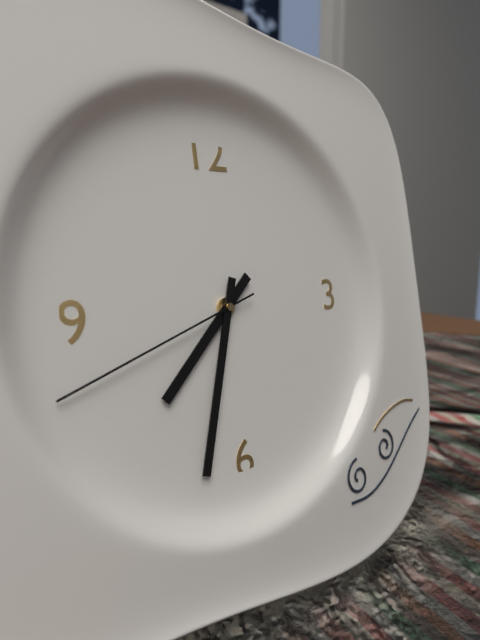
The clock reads **7:33:42**
